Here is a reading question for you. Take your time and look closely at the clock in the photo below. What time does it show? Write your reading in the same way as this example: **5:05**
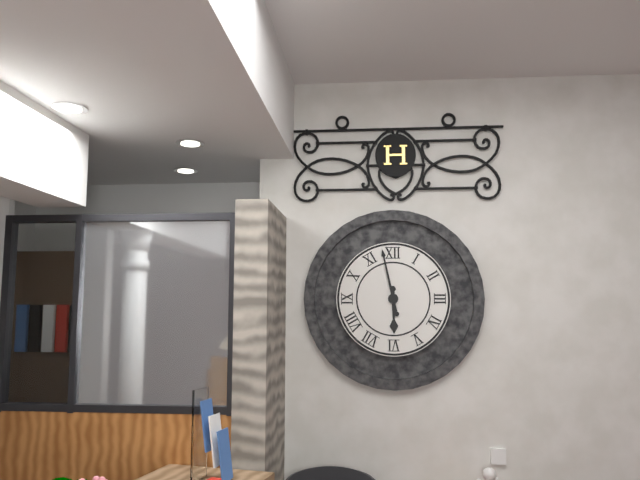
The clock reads **5:58**
